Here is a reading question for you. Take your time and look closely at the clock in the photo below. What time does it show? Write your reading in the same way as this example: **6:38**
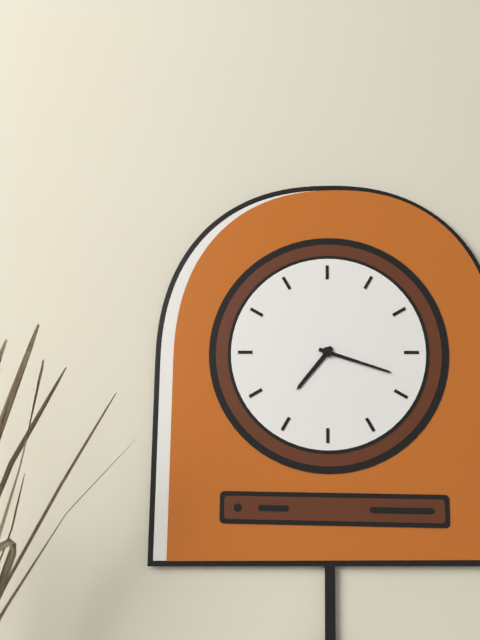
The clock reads **7:18**
